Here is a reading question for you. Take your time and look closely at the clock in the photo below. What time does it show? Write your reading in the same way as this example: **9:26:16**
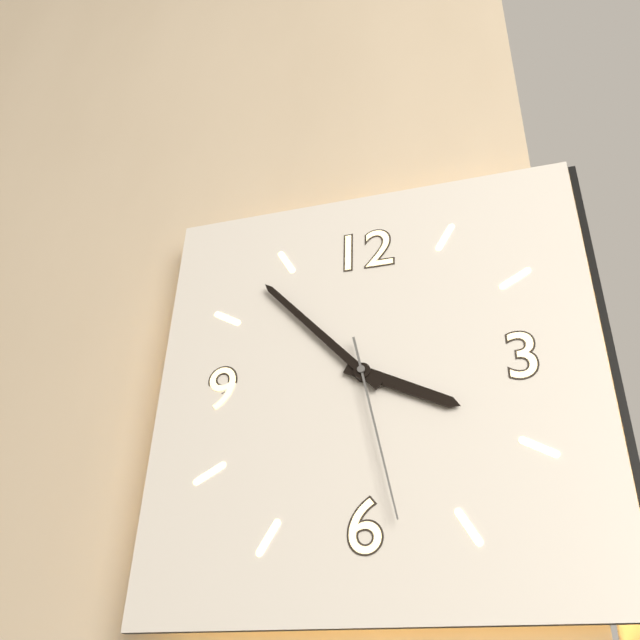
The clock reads **3:53:28**
